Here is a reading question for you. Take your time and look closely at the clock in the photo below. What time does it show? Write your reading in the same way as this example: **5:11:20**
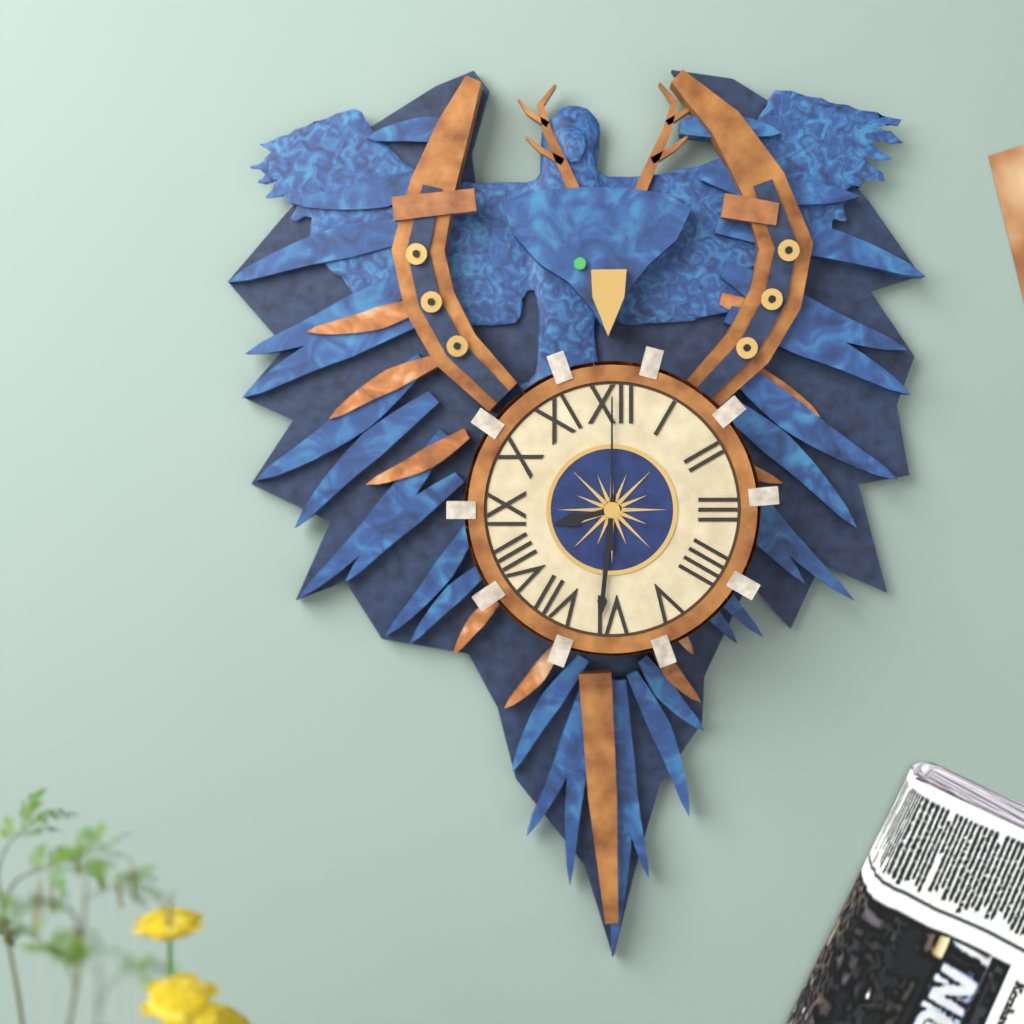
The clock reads **8:31:00**
